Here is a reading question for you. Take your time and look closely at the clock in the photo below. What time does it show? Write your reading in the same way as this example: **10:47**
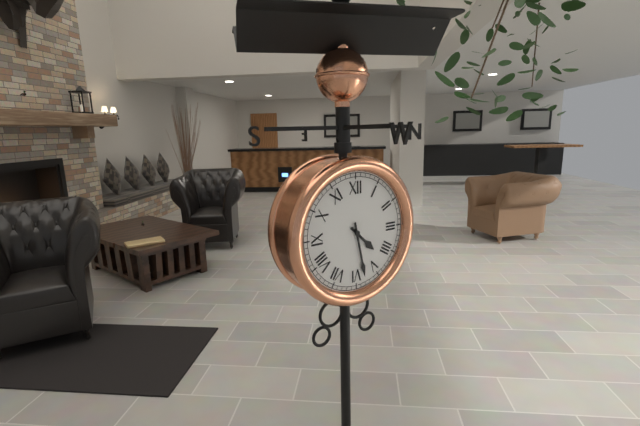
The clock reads **4:28**
